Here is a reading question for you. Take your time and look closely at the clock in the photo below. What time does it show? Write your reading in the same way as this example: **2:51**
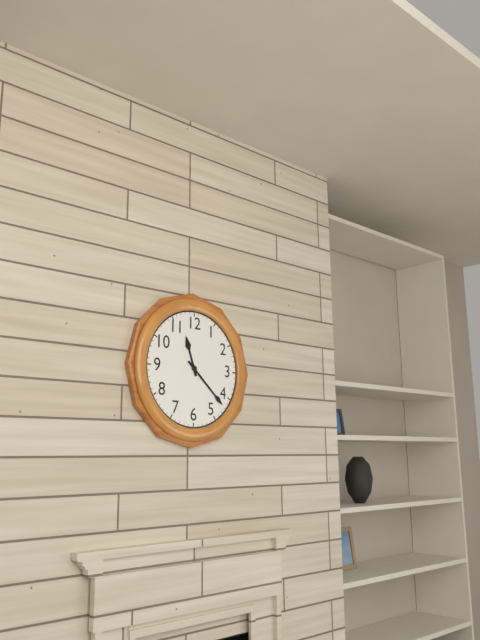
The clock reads **11:22**
